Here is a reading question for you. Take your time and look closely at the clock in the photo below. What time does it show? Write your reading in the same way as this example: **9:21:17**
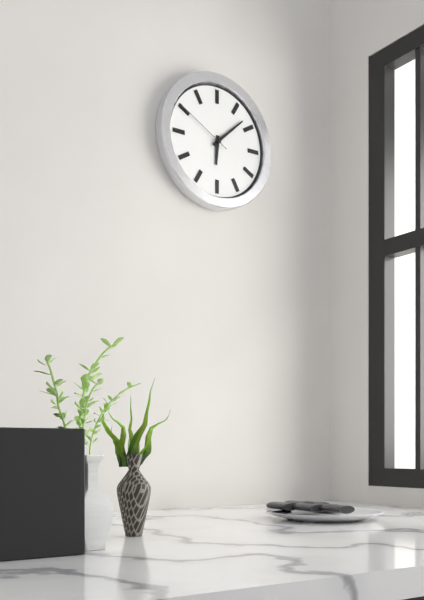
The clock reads **6:08:50**
